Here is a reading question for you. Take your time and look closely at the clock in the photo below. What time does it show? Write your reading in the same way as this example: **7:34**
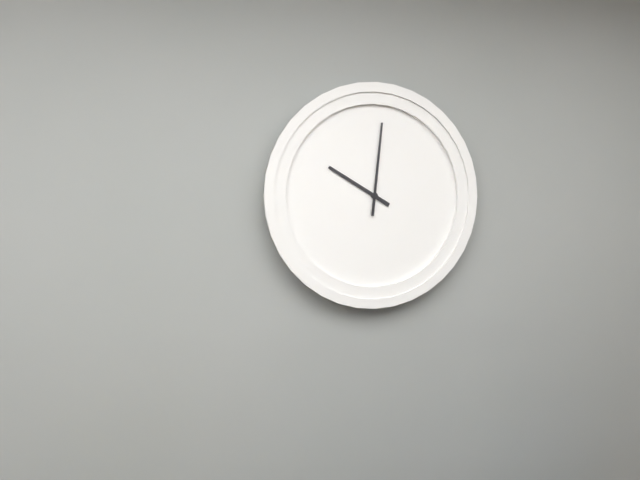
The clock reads **10:01**
